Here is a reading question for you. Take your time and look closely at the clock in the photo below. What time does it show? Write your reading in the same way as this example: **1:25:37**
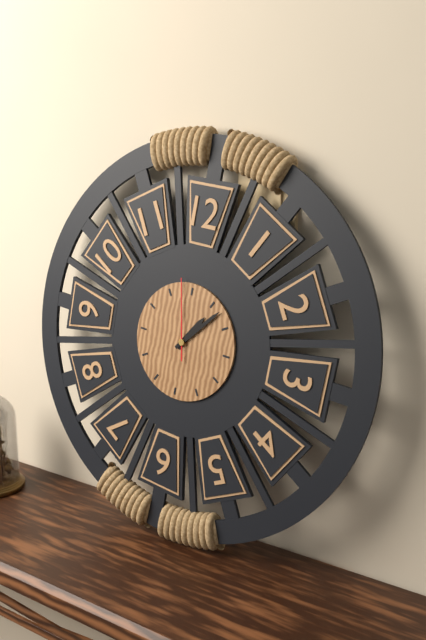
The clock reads **1:07:58**
